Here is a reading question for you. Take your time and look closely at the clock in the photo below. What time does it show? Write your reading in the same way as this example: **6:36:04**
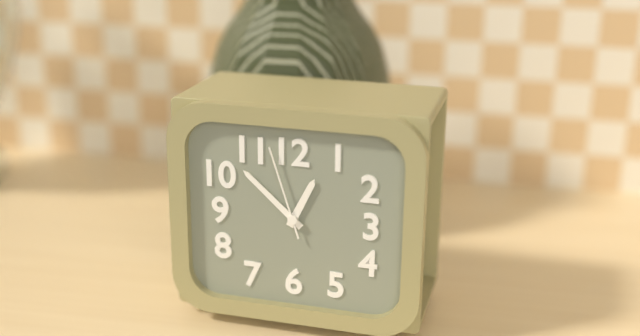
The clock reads **12:52:57**
